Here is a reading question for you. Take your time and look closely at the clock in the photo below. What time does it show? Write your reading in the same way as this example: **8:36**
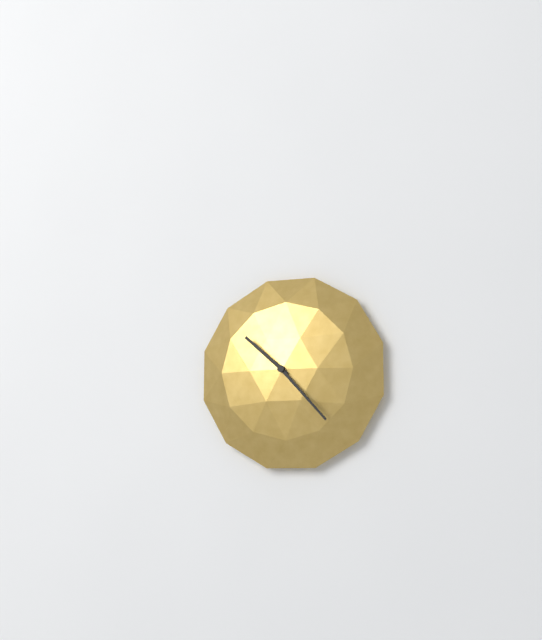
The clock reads **10:23**
